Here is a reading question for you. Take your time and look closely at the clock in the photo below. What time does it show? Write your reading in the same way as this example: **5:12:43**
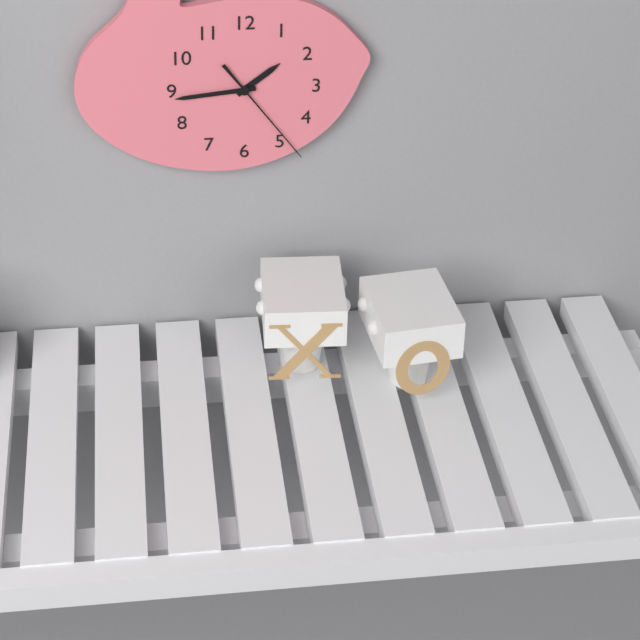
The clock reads **1:44:24**
